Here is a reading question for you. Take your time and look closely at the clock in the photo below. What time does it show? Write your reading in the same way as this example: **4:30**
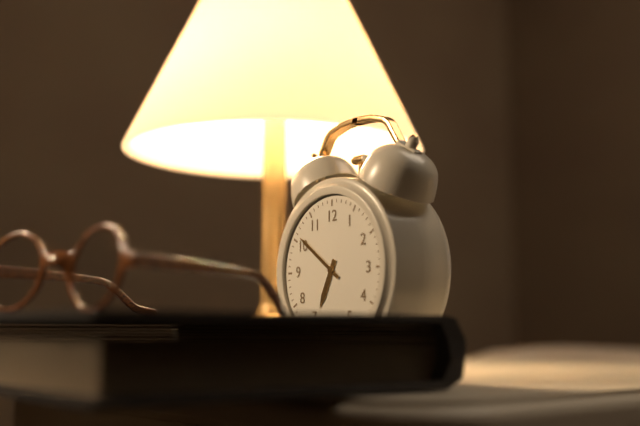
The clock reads **6:51**
